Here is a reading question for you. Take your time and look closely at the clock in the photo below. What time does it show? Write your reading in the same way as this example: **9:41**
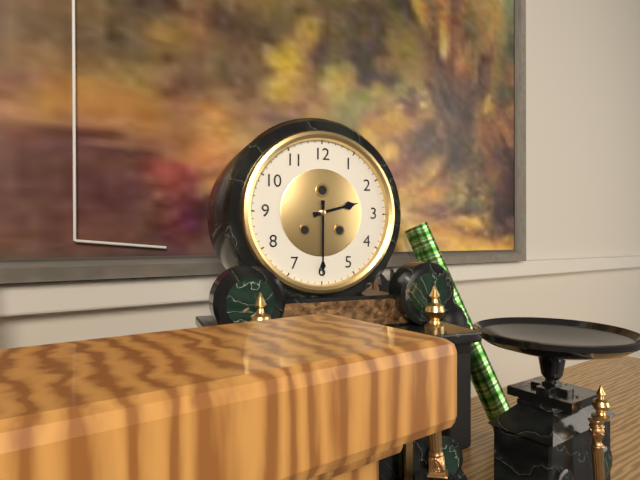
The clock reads **2:30**
